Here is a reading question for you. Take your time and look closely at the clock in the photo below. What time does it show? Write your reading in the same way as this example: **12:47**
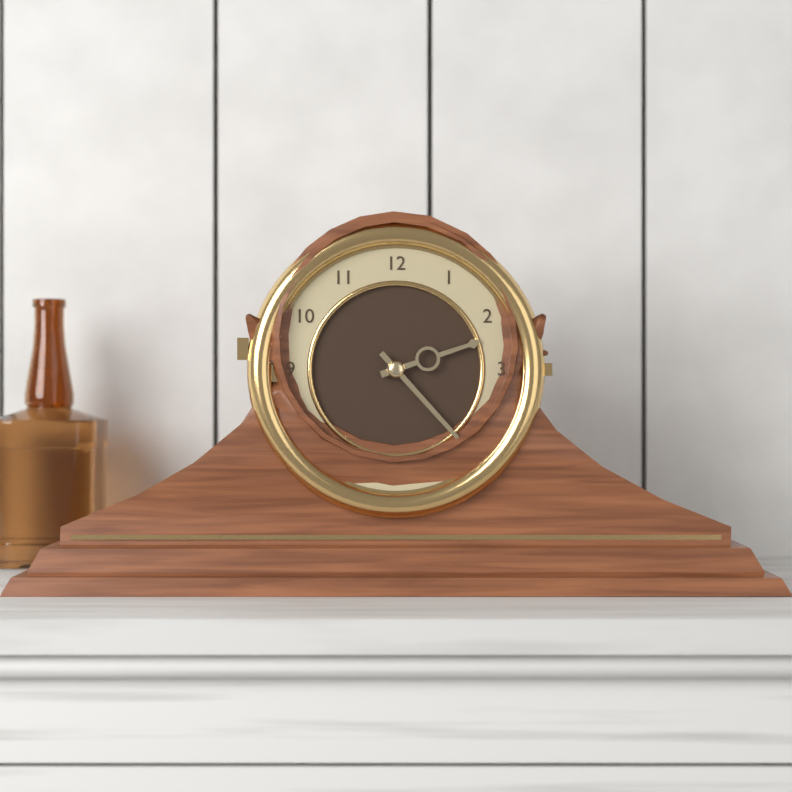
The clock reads **2:23**
